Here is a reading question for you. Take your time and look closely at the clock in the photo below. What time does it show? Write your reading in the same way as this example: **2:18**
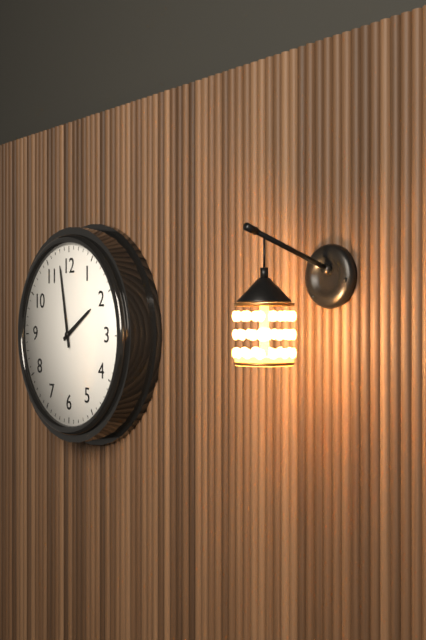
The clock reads **1:58**
